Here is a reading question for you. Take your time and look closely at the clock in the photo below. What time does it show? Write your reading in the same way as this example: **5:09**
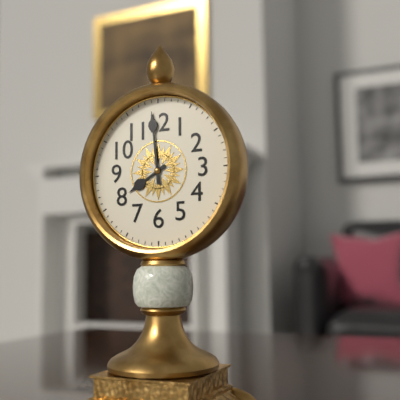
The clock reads **7:59**
